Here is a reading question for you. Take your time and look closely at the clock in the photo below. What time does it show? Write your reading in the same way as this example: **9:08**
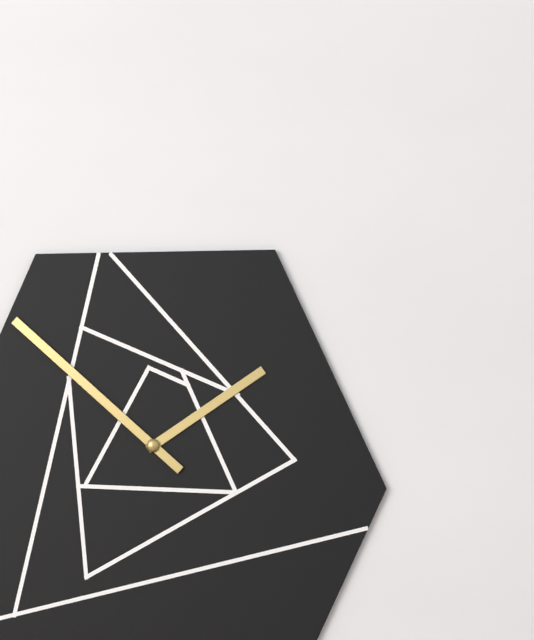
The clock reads **1:52**
